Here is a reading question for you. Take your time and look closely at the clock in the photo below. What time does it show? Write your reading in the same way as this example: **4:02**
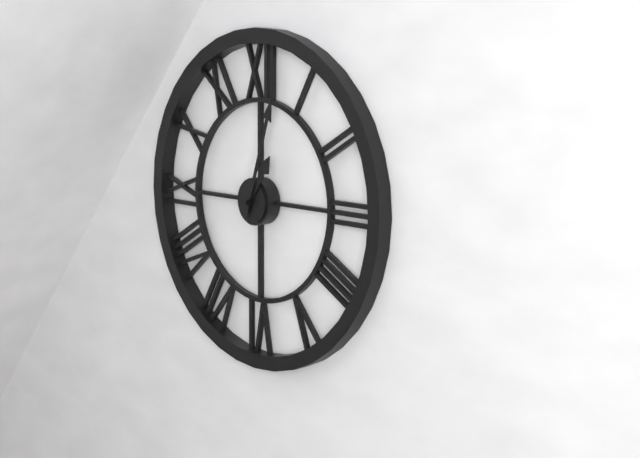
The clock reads **1:03**
